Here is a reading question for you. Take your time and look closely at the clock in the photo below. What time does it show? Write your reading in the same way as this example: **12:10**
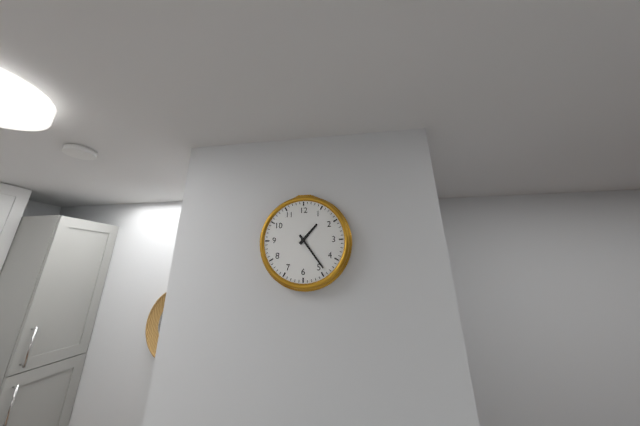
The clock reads **1:24**
